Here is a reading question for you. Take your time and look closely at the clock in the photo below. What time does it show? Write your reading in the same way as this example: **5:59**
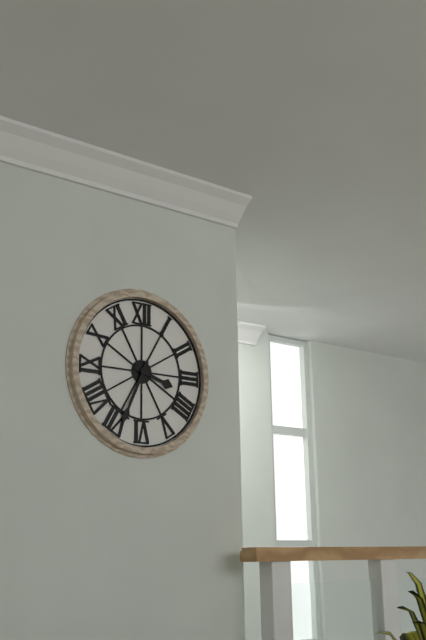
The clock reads **3:34**
